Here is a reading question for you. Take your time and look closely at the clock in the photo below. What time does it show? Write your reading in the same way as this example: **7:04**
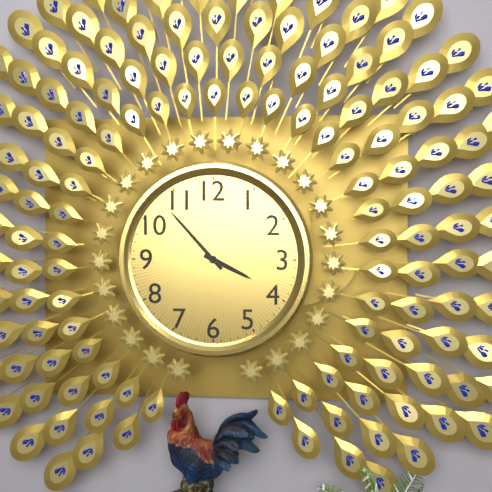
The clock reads **3:53**
